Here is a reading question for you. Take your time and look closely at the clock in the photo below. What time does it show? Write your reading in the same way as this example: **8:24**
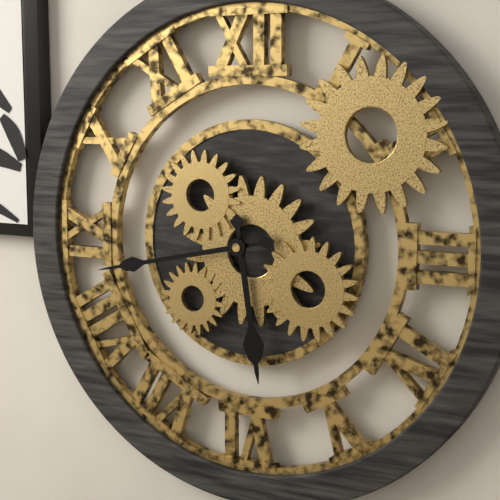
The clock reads **5:43**
